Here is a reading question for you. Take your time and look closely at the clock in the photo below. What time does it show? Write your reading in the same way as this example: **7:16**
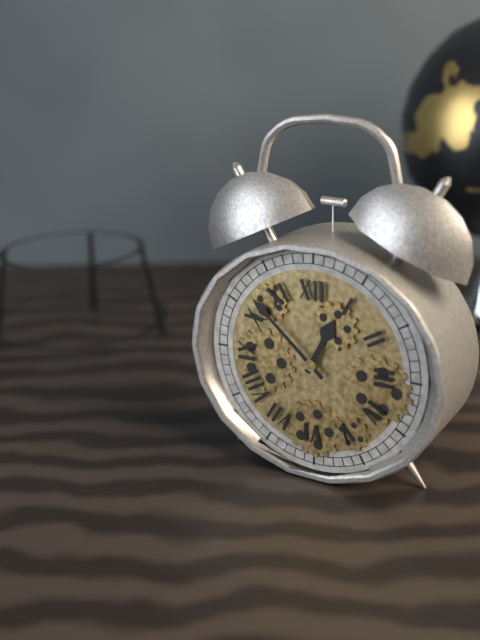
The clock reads **12:52**
